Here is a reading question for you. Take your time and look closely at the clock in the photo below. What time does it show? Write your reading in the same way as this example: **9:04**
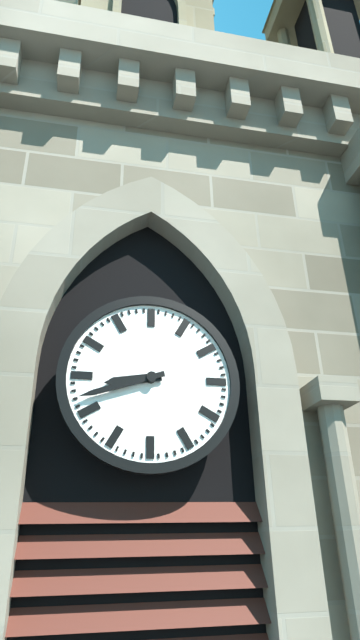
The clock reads **8:42**
